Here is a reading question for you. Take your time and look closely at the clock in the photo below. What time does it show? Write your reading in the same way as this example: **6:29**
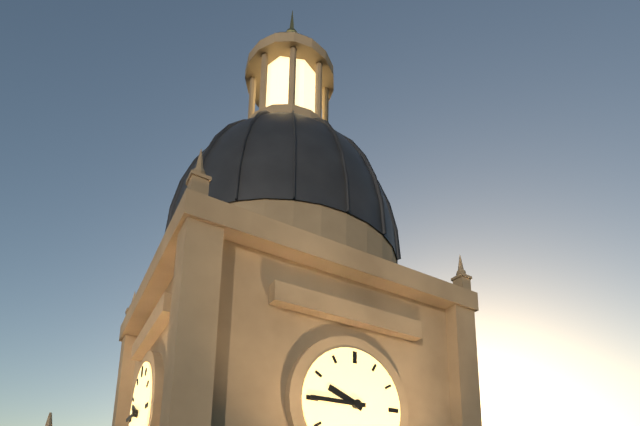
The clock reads **9:45**
